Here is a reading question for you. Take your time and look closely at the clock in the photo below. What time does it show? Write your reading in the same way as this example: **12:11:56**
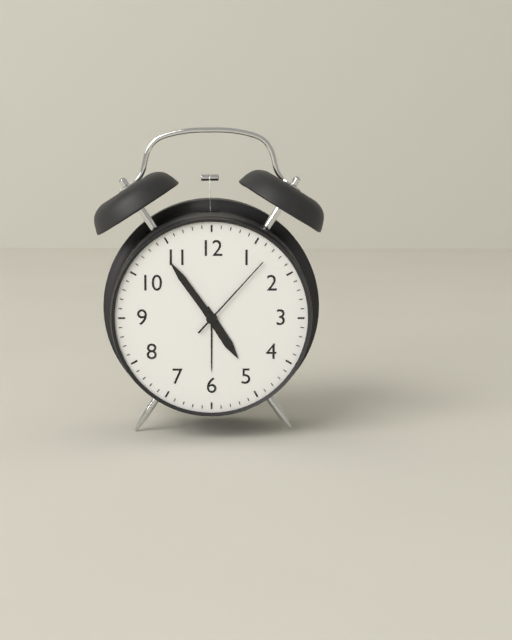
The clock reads **4:54:07**
